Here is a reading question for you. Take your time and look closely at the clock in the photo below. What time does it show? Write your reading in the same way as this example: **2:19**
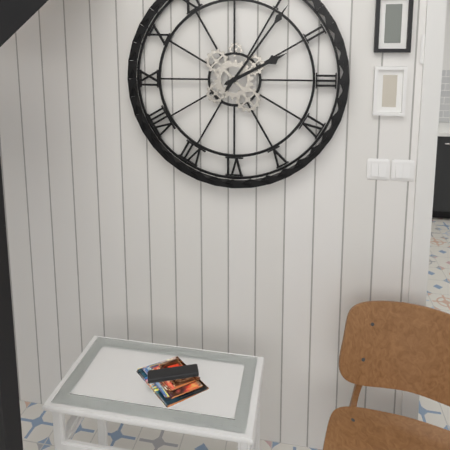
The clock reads **2:06**
